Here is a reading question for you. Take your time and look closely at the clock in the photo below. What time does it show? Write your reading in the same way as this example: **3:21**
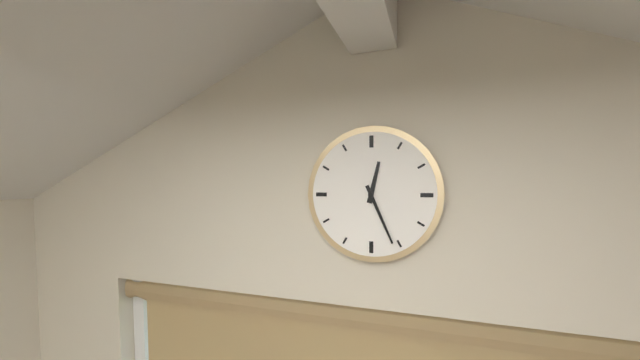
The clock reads **12:26**
